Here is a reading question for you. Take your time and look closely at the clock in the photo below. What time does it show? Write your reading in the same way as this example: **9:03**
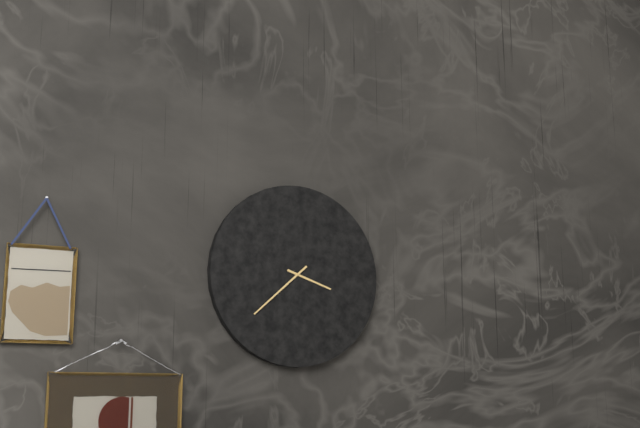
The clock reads **3:38**
